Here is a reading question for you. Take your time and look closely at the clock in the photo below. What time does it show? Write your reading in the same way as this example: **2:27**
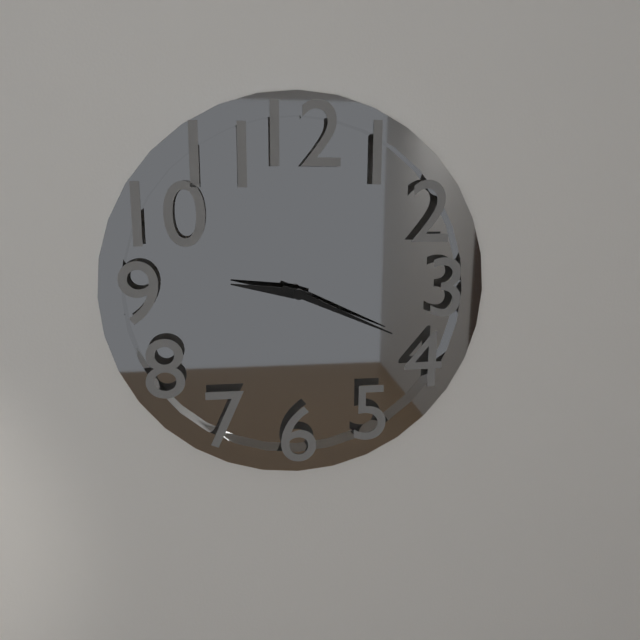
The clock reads **9:19**
